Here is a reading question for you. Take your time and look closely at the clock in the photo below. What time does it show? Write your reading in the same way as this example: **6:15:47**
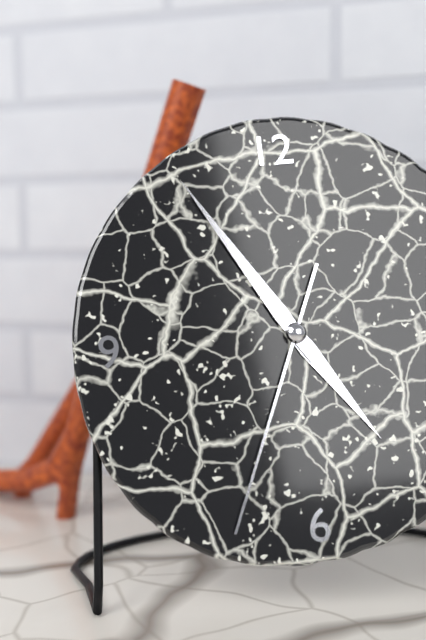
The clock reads **4:55:34**
